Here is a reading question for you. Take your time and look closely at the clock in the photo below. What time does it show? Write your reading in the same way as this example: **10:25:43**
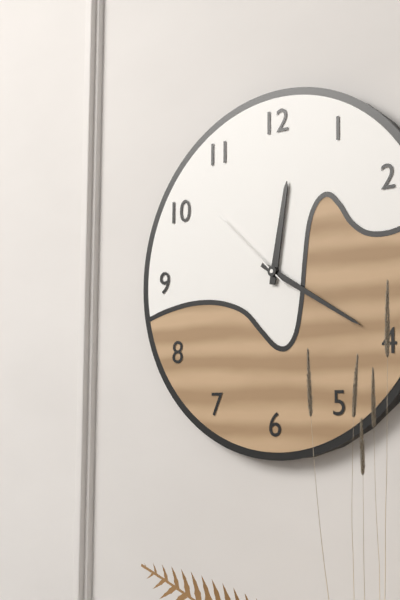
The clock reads **12:20:52**
